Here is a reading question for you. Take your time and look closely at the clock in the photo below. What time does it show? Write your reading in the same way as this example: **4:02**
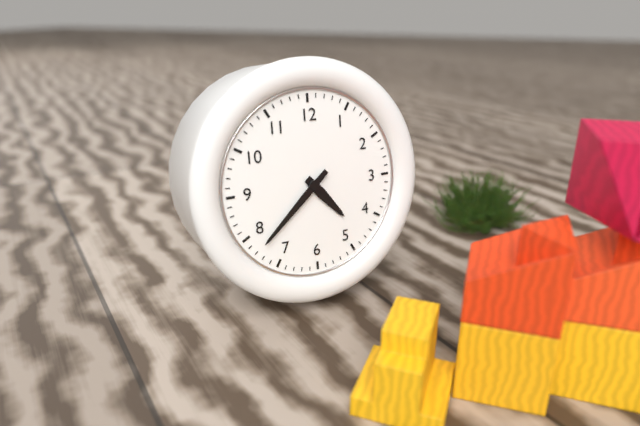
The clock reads **4:38**
